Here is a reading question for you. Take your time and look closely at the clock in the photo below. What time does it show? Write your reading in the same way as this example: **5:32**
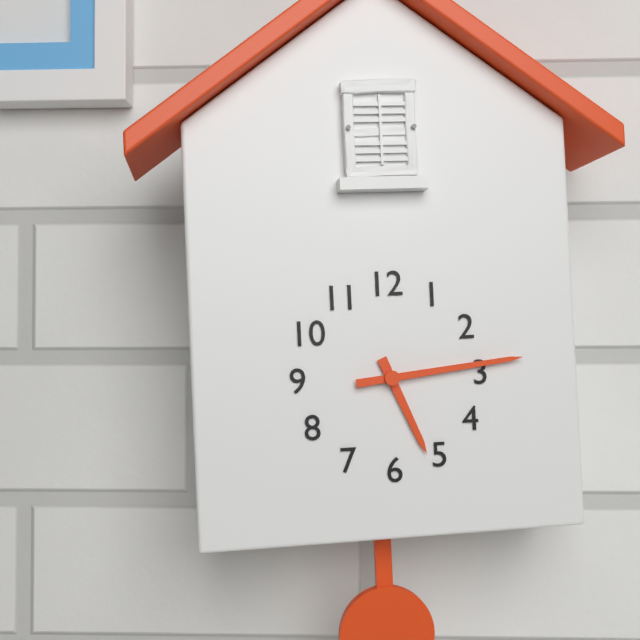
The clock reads **5:14**
